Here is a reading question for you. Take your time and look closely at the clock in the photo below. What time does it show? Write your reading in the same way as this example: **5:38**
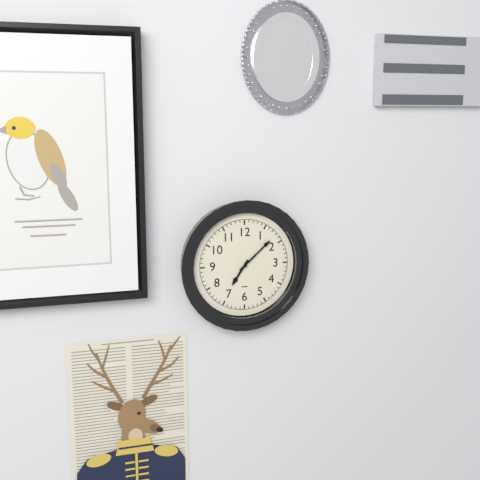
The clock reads **7:08**
